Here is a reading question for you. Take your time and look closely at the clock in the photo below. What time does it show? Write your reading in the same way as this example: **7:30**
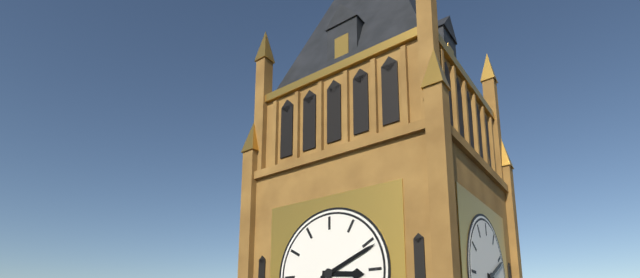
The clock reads **3:11**
